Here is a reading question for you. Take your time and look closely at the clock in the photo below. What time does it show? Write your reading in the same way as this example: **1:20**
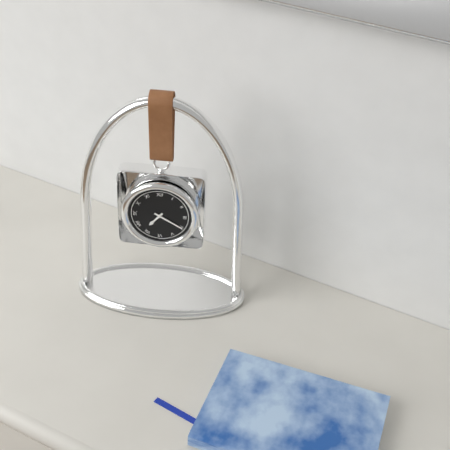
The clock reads **7:20**
